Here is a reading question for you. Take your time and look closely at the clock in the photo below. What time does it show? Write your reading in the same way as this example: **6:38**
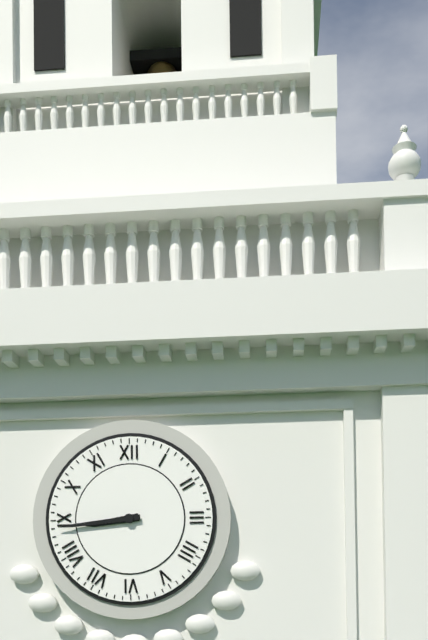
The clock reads **8:44**
